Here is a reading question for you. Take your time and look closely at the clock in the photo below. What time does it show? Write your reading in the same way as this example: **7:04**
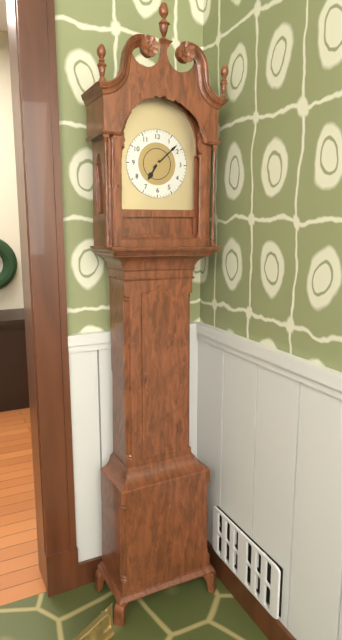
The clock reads **7:08**
